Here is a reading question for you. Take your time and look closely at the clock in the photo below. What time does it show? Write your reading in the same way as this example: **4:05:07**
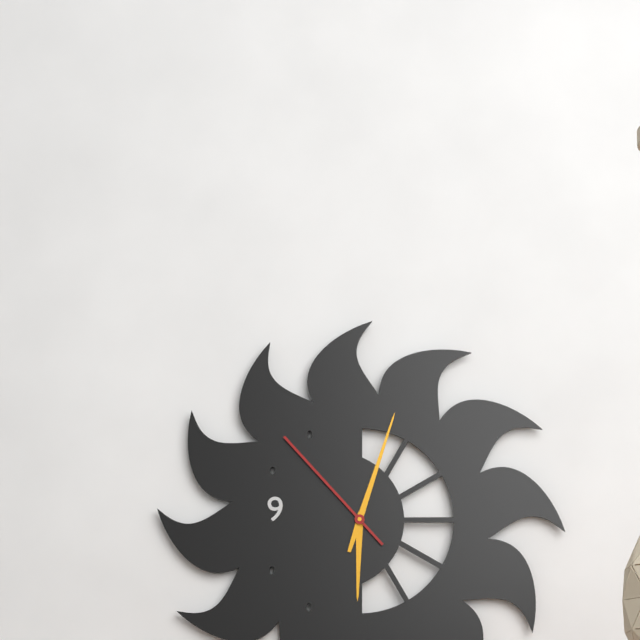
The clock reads **6:03:53**
